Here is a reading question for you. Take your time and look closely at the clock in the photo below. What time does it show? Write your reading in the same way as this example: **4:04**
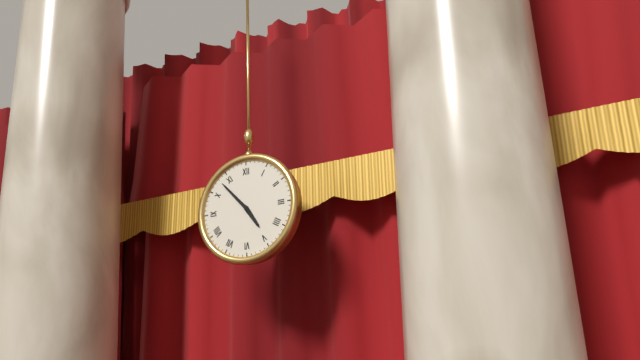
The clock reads **4:53**
